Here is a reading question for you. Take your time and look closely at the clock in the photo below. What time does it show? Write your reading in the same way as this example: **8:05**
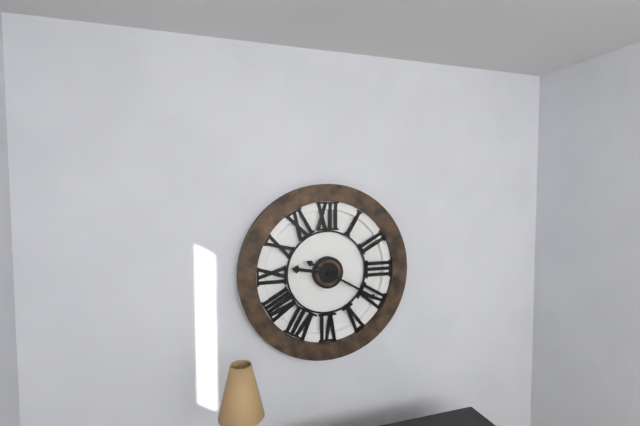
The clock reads **9:20**
